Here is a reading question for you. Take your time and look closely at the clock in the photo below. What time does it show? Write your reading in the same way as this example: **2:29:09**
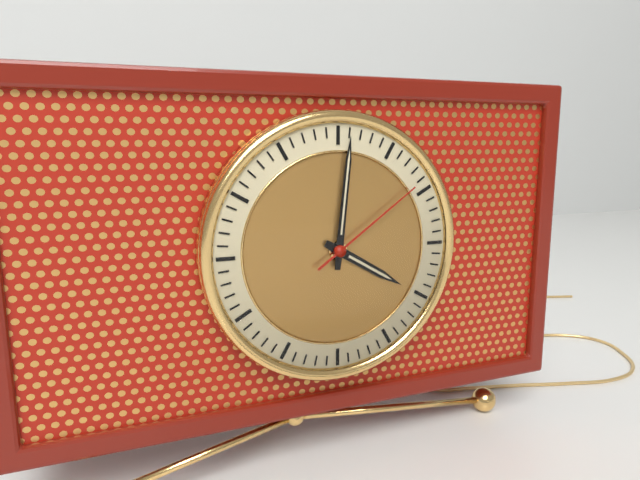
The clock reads **4:01:09**
